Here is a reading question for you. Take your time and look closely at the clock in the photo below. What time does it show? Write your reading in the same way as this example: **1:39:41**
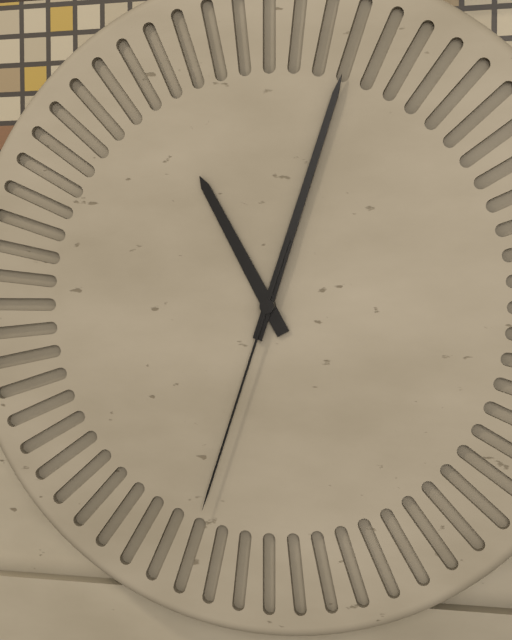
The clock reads **11:03:33**
